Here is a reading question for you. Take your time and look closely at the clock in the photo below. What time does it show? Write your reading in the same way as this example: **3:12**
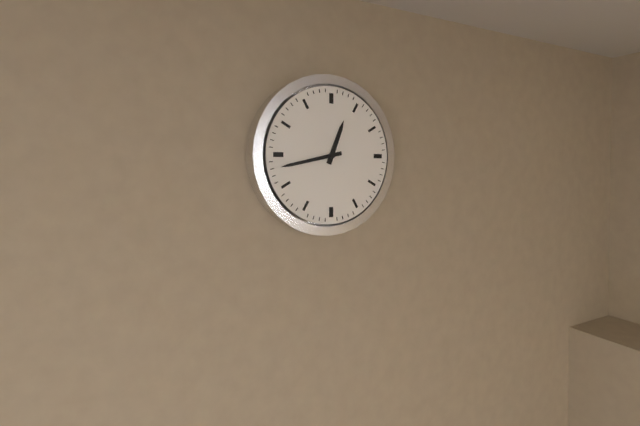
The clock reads **12:43**
